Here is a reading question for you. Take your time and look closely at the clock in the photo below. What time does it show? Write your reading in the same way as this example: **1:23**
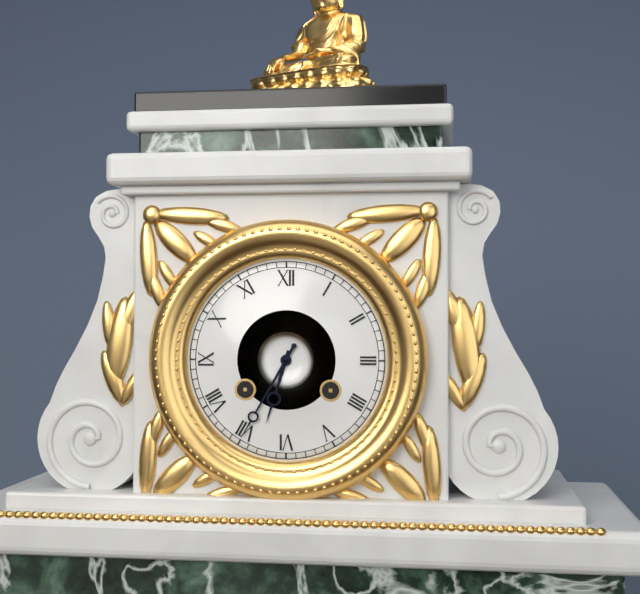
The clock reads **6:35**
